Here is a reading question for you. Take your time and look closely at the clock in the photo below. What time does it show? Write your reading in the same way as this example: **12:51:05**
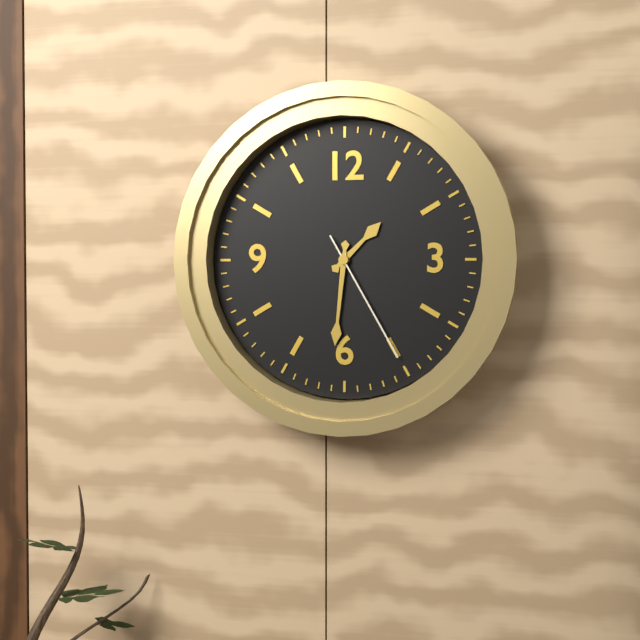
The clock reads **1:31:25**
